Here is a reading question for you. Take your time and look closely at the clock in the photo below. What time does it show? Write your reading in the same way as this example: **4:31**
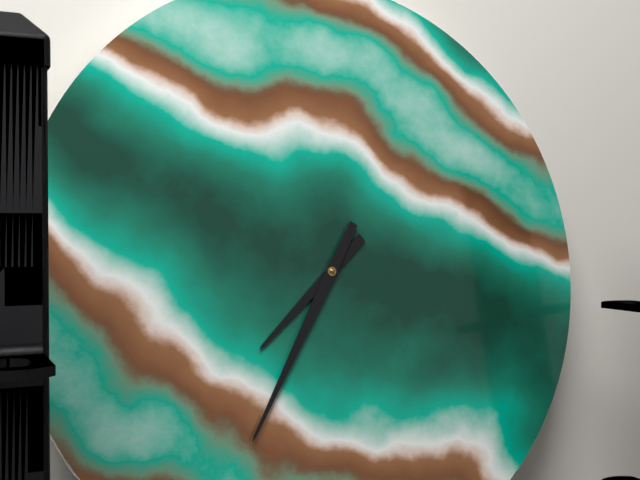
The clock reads **7:35**
